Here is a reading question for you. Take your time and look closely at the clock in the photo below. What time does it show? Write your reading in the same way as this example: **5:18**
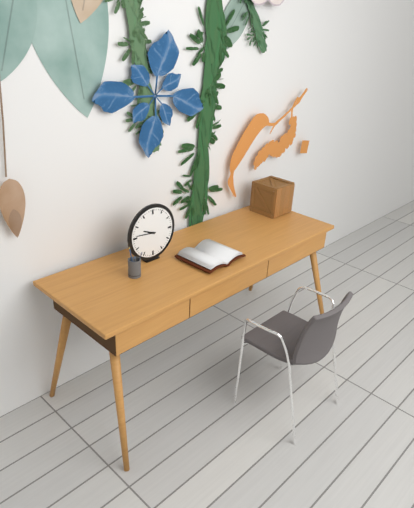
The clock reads **9:46**
